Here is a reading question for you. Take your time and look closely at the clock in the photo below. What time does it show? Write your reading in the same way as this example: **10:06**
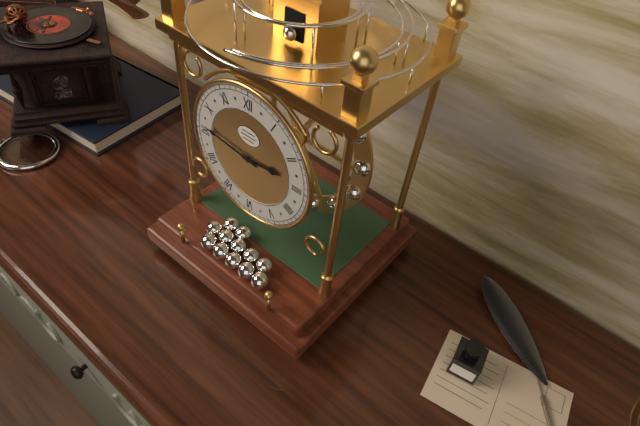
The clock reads **2:46**
